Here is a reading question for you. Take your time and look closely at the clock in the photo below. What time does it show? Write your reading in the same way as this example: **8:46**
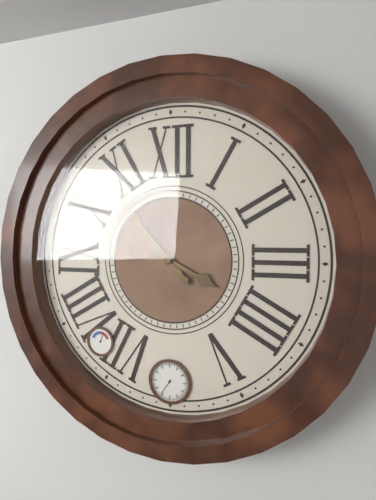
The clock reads **3:53**
